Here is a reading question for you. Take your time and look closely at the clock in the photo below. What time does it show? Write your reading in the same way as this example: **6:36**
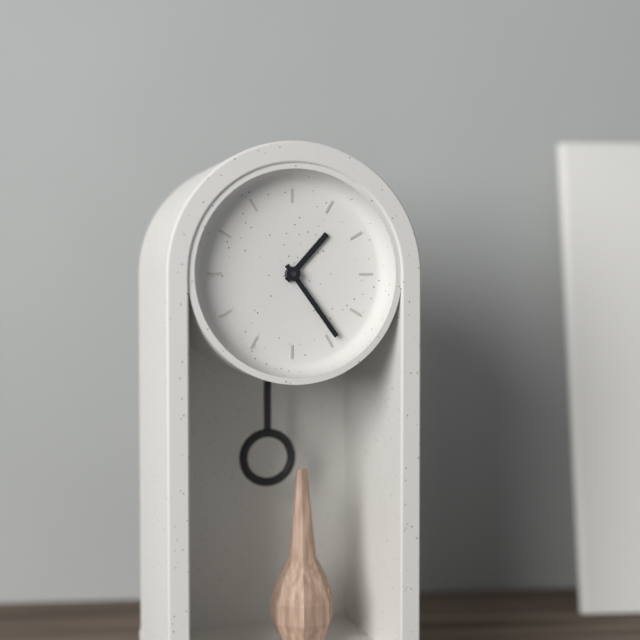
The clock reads **1:24**
